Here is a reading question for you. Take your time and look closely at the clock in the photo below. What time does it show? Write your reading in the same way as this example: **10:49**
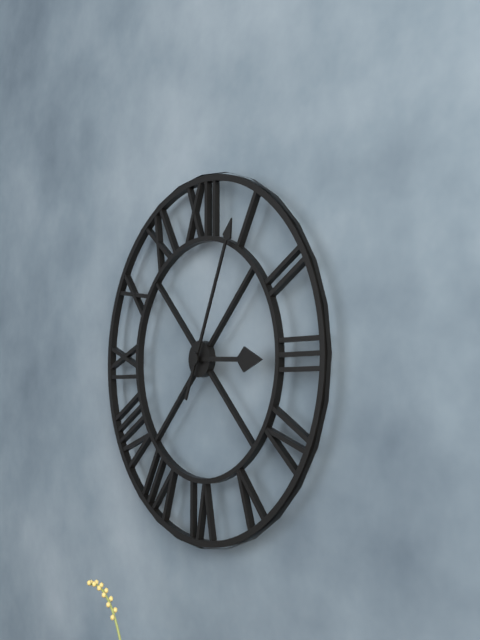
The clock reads **3:04**
